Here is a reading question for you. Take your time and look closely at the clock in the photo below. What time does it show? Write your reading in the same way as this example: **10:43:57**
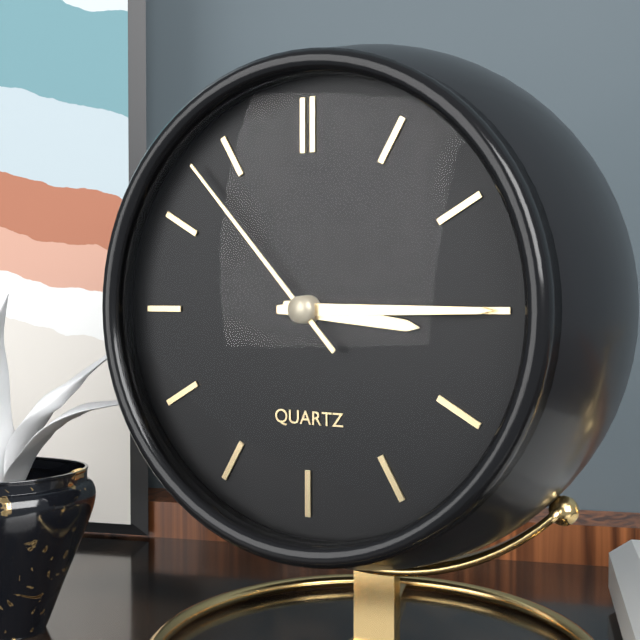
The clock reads **3:15:53**
